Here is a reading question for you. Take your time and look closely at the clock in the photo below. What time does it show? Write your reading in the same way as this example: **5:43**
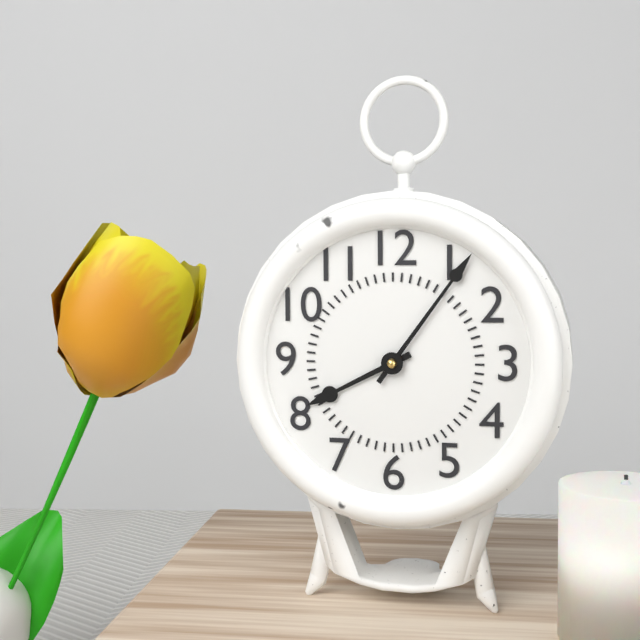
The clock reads **8:06**
